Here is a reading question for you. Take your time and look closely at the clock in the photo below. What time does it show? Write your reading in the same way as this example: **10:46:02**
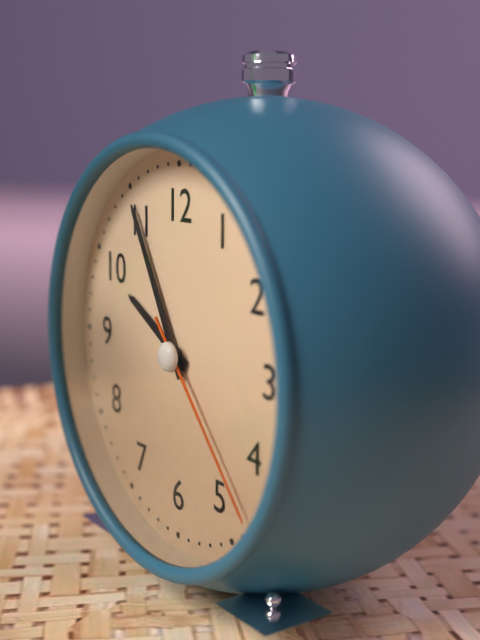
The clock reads **9:55:23**
